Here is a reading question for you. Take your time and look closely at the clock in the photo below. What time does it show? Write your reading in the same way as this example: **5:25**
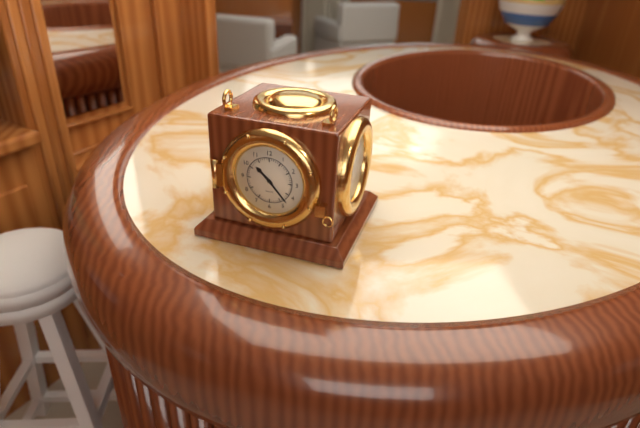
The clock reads **10:23**
